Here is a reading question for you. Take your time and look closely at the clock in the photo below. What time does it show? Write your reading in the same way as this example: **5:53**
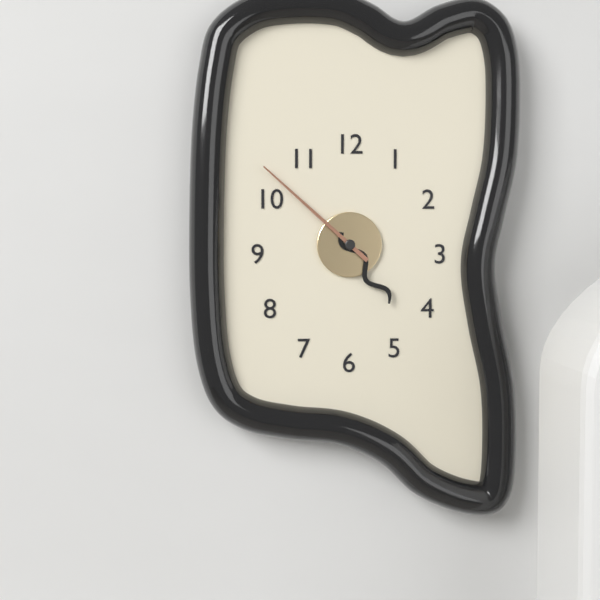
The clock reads **4:52**
